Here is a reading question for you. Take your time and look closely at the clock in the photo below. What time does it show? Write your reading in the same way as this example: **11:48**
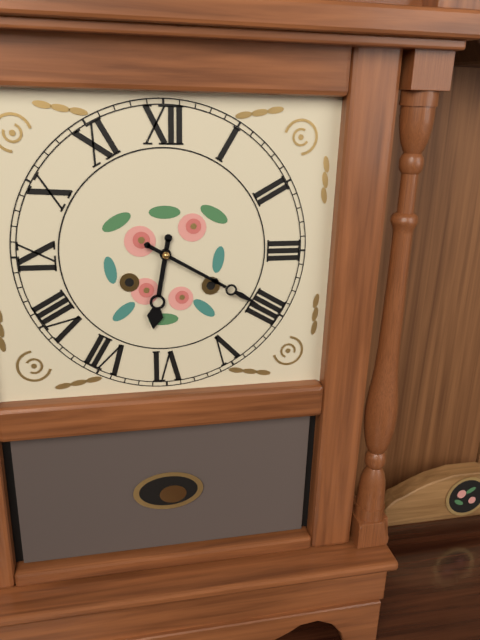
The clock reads **6:20**
